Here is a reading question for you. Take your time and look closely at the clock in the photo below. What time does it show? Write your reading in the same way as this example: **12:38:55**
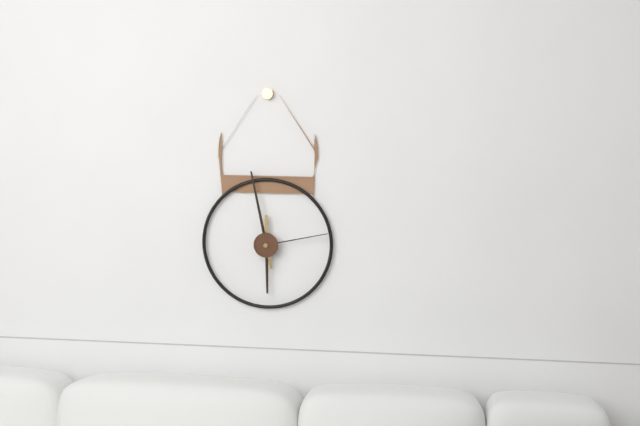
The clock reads **5:58:13**
